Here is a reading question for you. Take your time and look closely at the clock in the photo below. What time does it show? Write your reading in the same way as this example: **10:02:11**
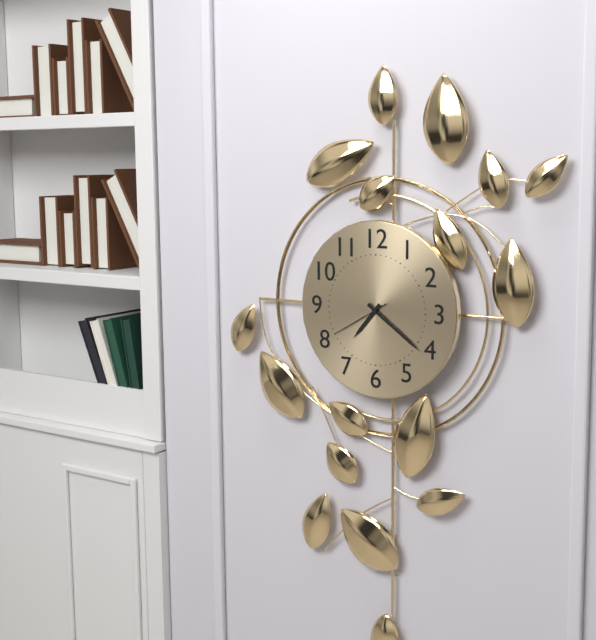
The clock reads **7:21:40**
